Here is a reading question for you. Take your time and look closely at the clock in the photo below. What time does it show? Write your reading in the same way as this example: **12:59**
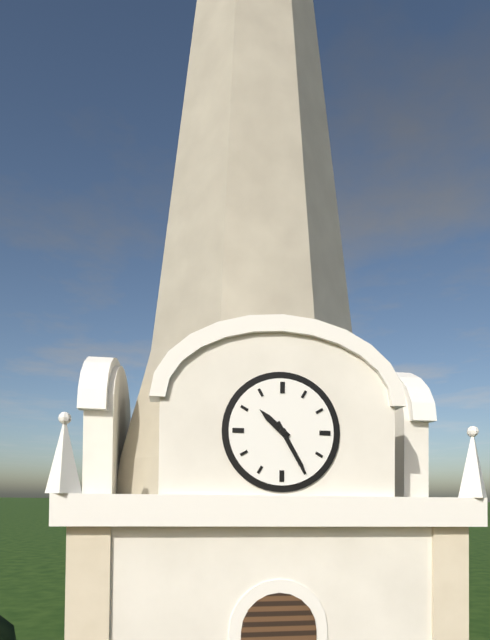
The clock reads **10:25**
